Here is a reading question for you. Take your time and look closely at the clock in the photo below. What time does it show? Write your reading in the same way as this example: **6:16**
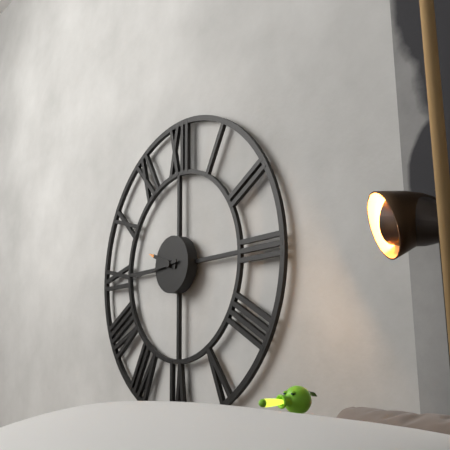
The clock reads **9:44**
